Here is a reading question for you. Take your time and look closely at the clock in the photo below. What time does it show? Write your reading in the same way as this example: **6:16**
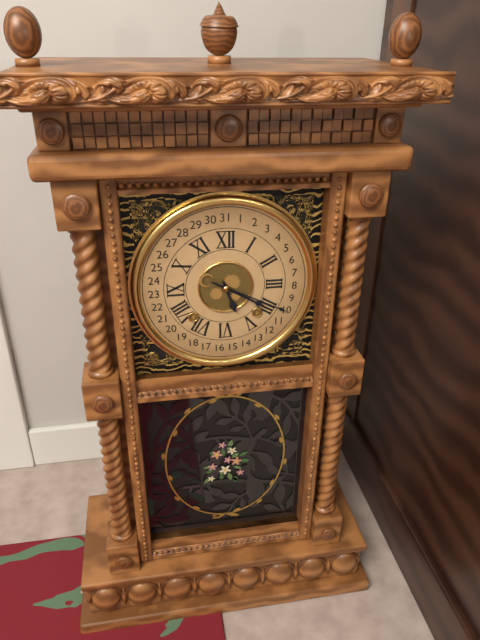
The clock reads **5:20**
